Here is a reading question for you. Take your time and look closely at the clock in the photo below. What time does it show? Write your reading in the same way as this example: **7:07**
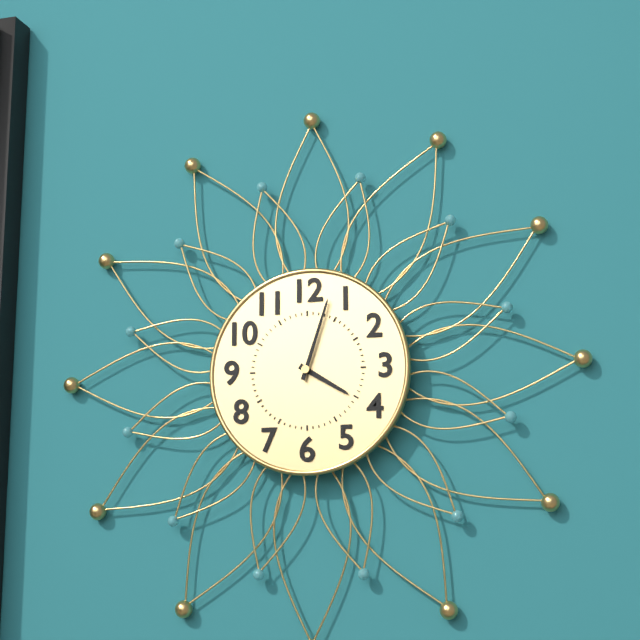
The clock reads **4:03**
